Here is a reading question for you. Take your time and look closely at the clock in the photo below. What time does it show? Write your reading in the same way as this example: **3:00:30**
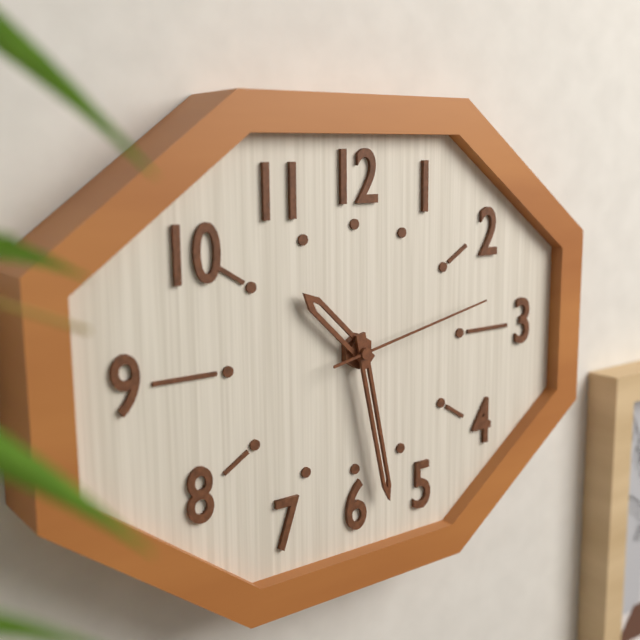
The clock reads **10:28:13**
